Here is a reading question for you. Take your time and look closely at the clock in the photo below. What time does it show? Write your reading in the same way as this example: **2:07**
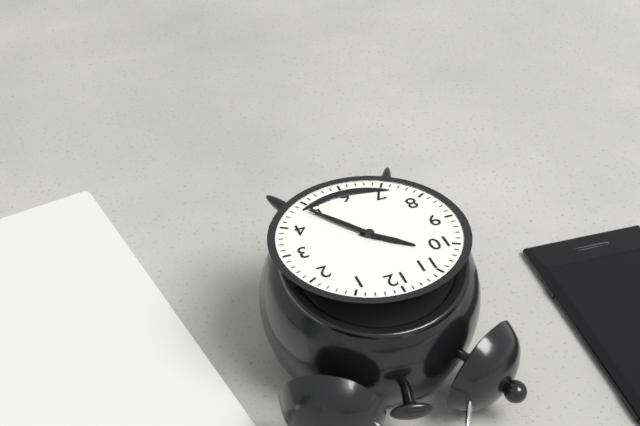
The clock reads **10:24**
